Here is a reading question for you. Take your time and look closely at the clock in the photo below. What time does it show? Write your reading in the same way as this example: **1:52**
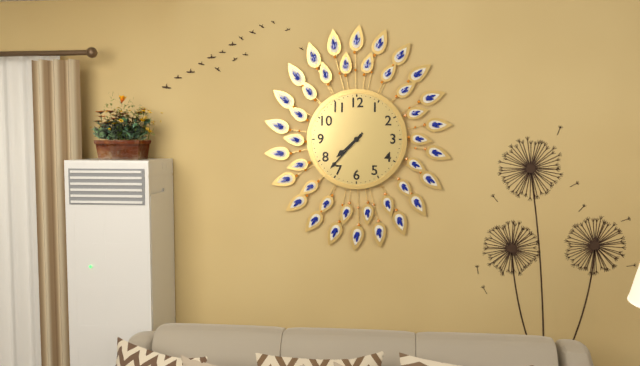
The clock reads **7:37**
